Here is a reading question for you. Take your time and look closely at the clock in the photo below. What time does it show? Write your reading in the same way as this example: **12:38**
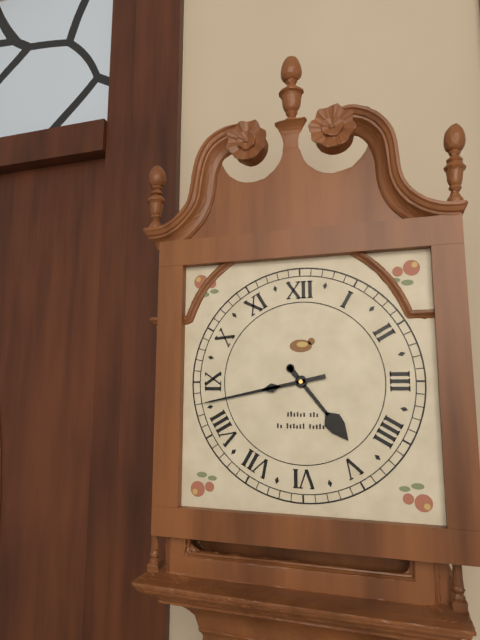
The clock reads **4:43**
